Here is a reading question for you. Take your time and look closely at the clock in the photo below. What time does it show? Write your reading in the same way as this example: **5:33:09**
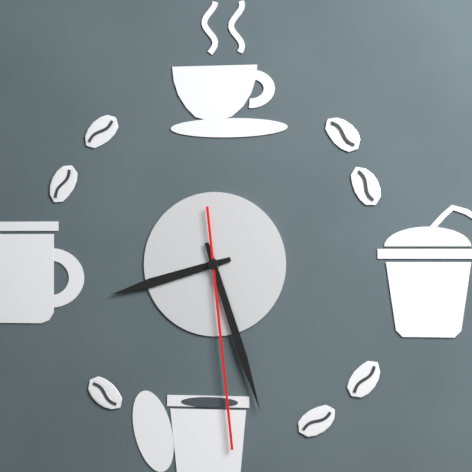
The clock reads **8:27:29**
